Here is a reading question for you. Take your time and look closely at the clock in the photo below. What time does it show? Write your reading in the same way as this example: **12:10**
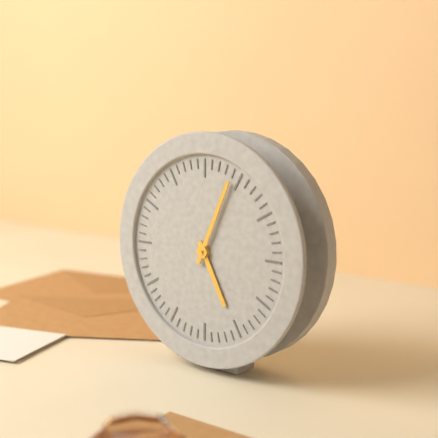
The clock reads **5:04**
